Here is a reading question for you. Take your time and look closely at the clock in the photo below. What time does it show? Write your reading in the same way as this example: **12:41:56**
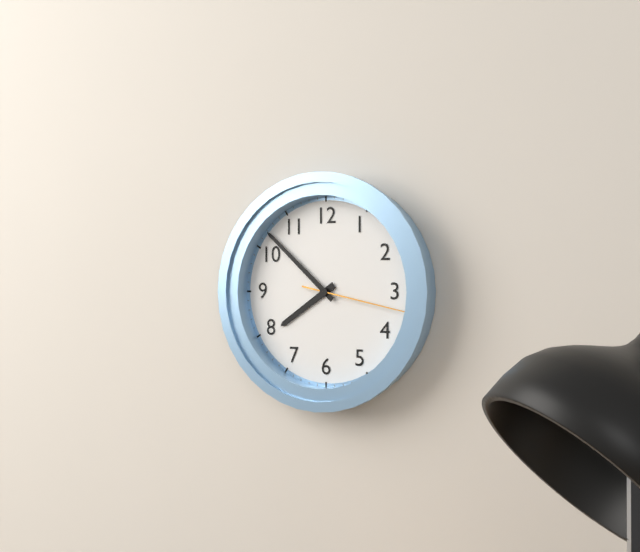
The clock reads **7:52:17**
